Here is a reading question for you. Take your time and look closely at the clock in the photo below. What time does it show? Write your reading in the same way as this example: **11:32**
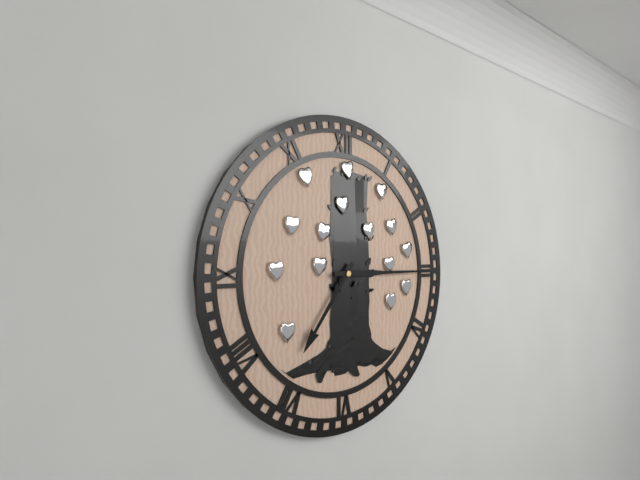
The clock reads **7:15**
